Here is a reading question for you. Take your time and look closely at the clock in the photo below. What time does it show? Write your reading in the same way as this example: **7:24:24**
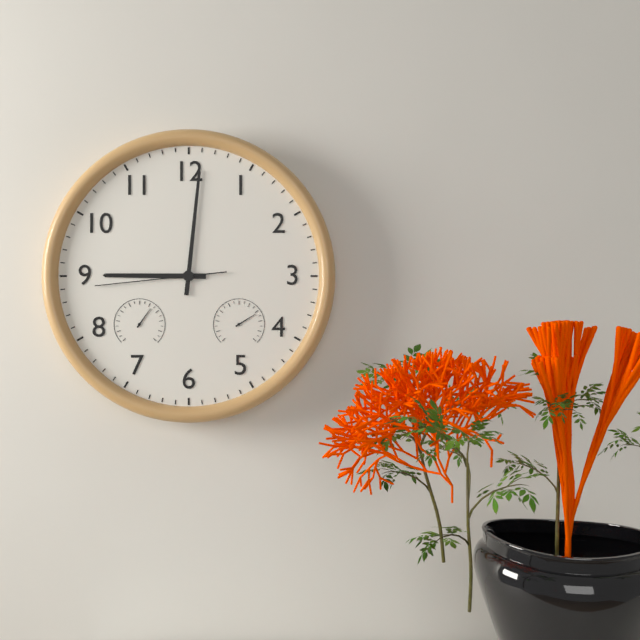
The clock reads **9:01:44**
